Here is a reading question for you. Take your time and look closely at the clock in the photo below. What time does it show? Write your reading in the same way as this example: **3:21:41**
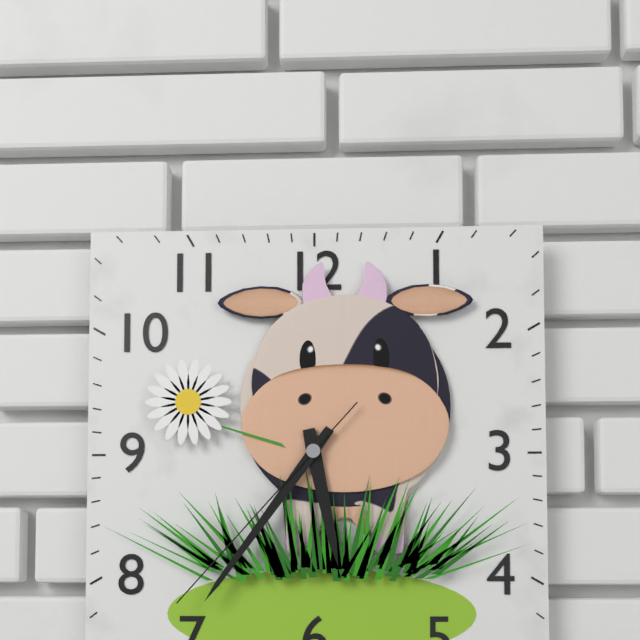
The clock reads **5:36:37**
